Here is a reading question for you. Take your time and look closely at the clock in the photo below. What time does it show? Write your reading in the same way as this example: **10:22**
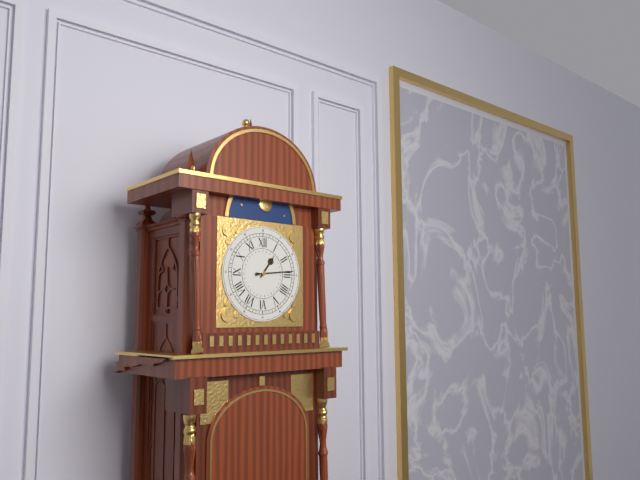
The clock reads **1:14**
